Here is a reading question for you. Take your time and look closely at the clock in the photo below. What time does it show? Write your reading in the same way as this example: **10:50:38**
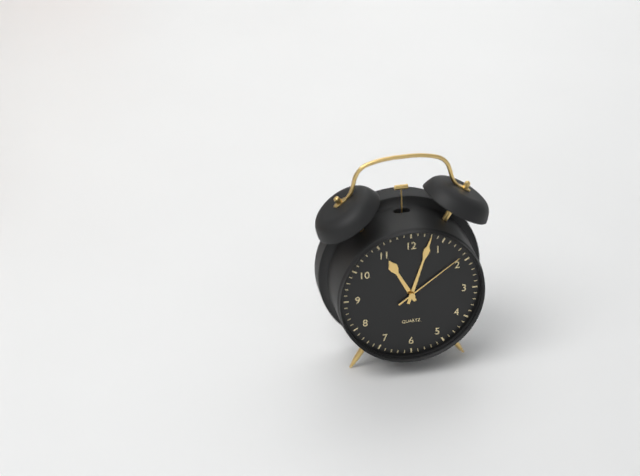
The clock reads **11:03:09**
